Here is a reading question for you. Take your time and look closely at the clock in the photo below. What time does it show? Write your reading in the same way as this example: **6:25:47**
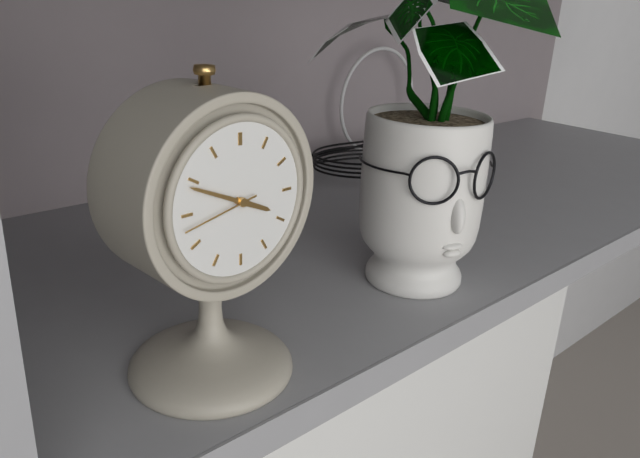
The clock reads **3:49:43**
